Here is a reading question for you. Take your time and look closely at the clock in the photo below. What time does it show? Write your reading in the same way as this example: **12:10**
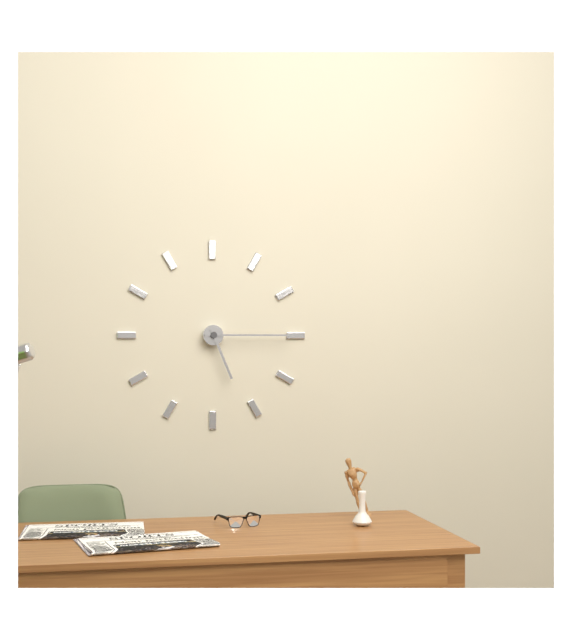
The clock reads **5:15**
